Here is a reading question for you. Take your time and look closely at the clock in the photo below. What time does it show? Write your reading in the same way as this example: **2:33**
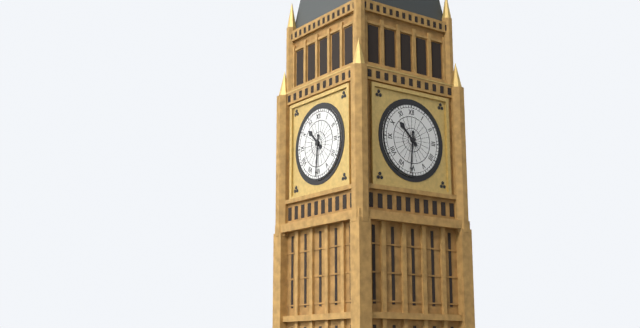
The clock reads **10:31**
